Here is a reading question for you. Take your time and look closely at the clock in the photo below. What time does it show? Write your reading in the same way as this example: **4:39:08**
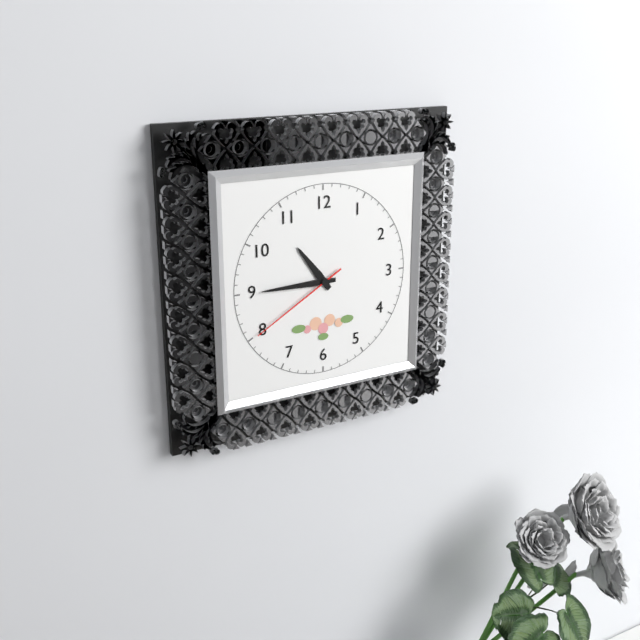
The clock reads **10:45:40**
